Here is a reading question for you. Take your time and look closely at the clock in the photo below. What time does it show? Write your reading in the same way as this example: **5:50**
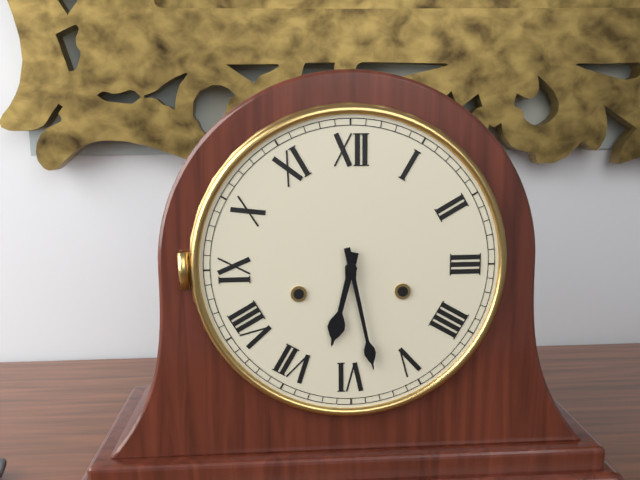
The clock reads **6:28**
